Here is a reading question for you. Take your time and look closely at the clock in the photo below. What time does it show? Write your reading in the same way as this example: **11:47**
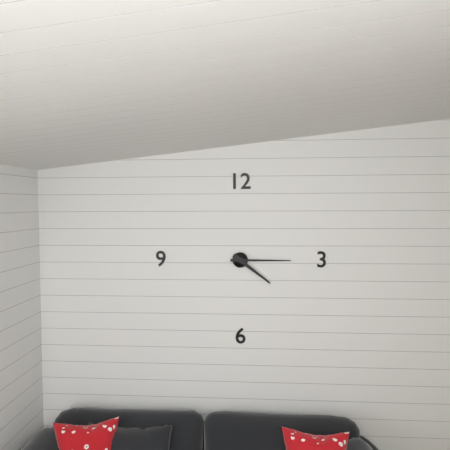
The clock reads **4:15**
